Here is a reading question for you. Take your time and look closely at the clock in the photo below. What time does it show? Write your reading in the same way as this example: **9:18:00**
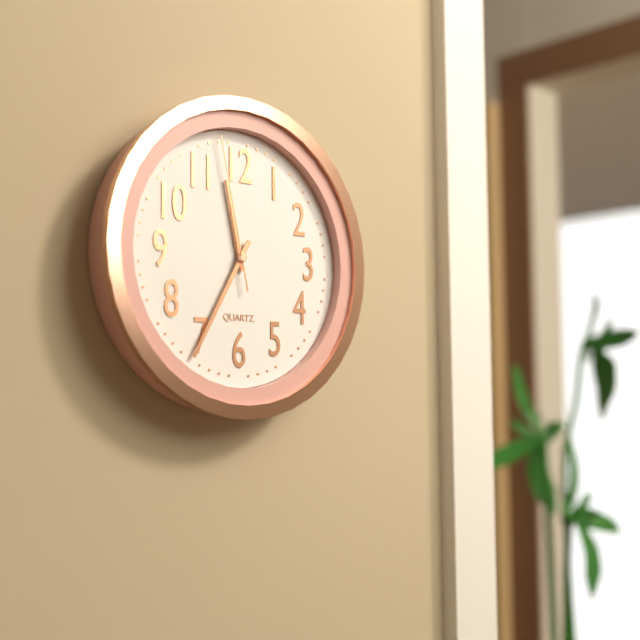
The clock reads **11:35:58**
